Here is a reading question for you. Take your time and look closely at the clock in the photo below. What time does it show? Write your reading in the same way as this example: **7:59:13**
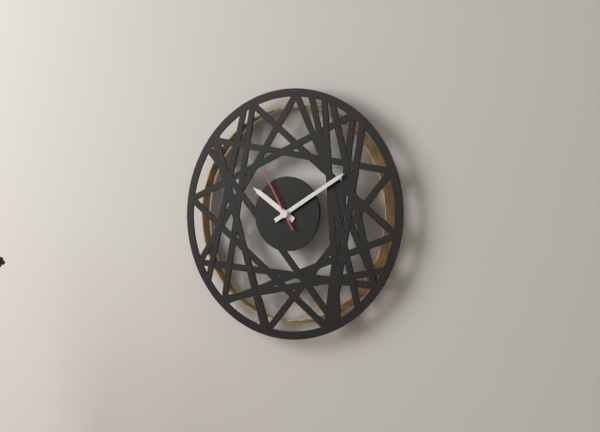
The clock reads **10:10:55**
